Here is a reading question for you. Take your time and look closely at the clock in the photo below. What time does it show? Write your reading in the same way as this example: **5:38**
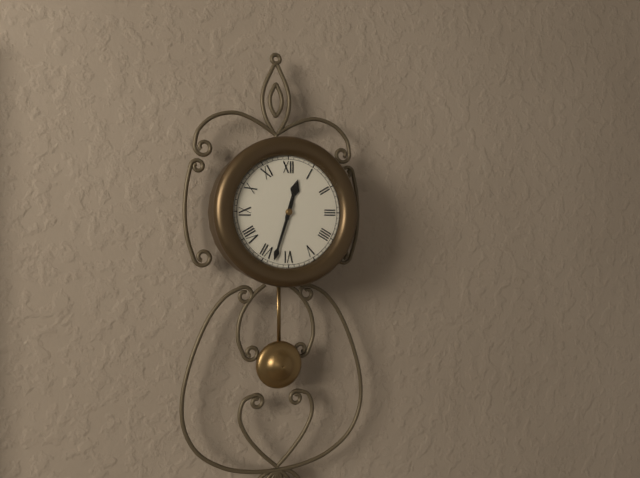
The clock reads **12:33**
